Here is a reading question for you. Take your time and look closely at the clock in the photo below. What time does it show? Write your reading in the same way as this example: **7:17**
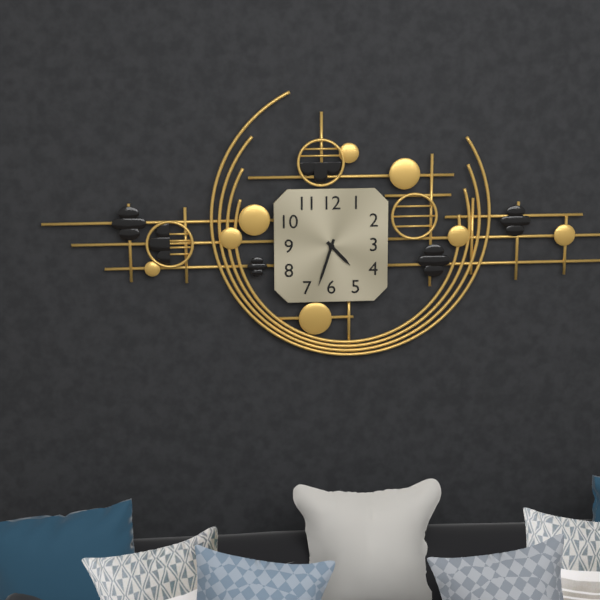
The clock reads **4:33**
